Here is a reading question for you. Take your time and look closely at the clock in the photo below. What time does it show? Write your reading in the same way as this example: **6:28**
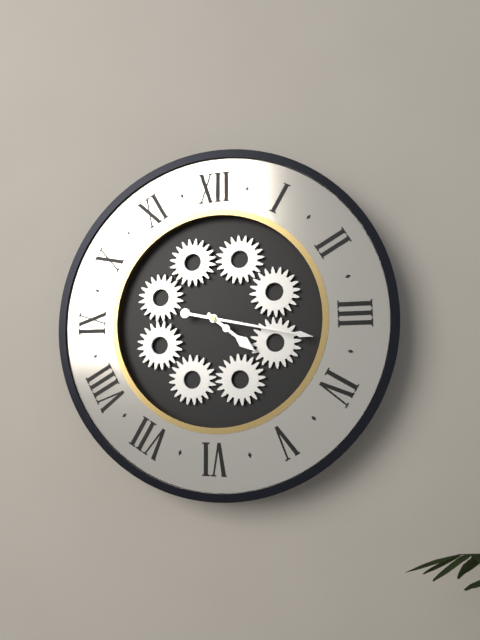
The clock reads **4:17**
